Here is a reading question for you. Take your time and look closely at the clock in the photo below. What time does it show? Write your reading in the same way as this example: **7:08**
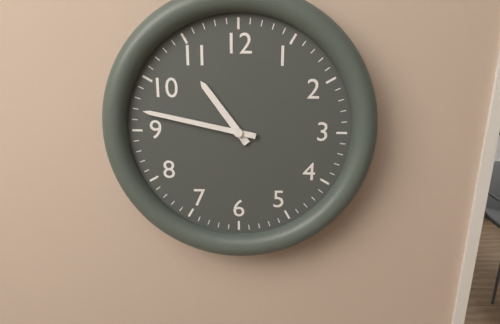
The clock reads **10:47**
